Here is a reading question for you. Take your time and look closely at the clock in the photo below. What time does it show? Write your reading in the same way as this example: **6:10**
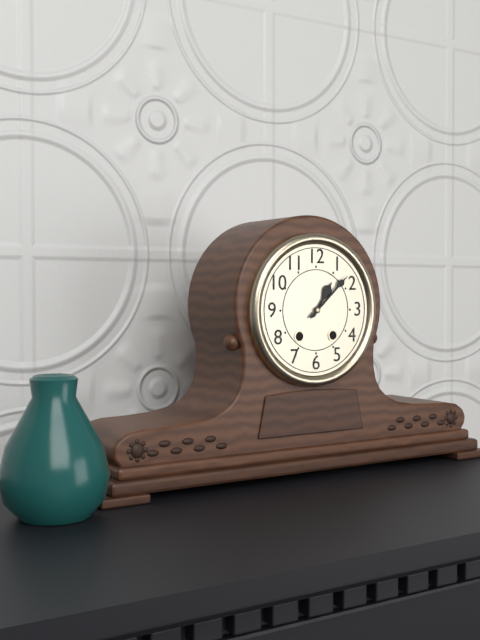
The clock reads **1:08**
